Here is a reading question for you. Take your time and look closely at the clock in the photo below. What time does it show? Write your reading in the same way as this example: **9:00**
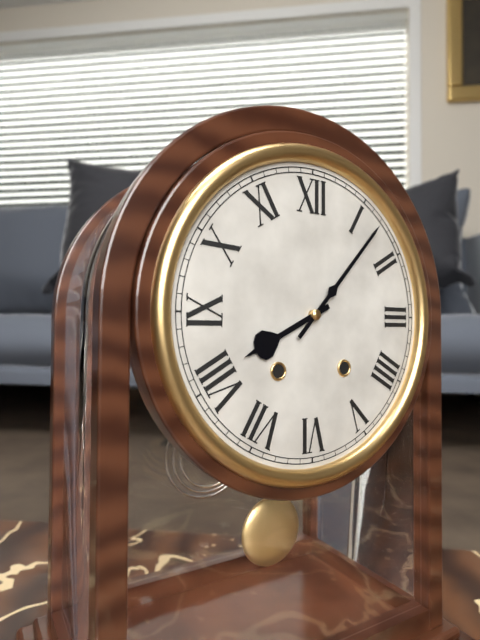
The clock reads **8:07**
